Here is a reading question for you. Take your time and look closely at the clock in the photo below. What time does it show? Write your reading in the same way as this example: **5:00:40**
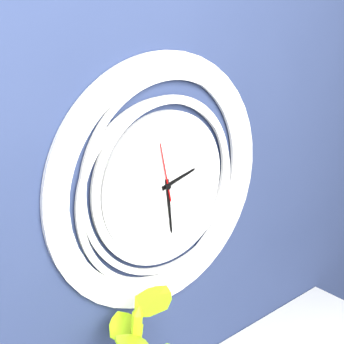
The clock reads **2:29:58**
